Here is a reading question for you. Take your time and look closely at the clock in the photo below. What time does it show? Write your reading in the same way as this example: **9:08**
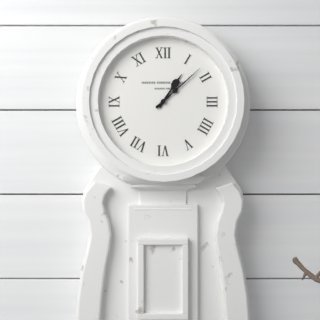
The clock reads **1:08**
